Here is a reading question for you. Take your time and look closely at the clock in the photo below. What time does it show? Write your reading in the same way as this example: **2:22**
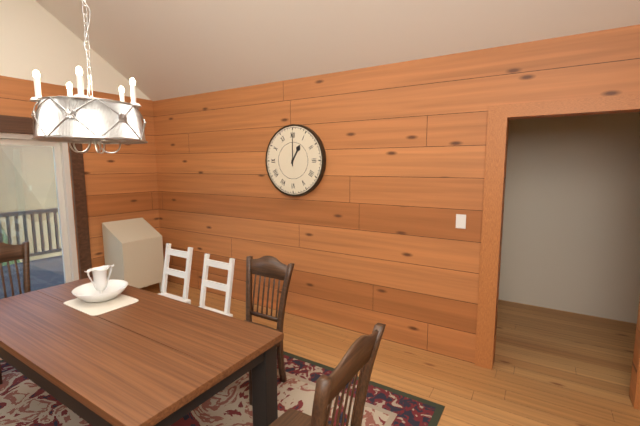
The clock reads **1:00**
